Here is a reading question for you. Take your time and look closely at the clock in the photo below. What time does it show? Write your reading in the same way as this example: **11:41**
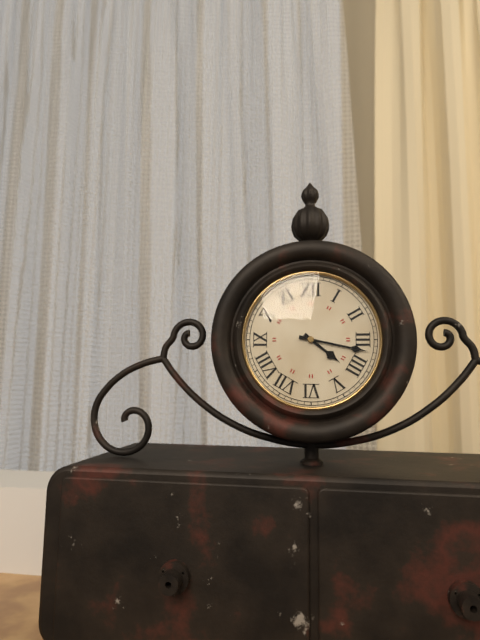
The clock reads **4:17**
